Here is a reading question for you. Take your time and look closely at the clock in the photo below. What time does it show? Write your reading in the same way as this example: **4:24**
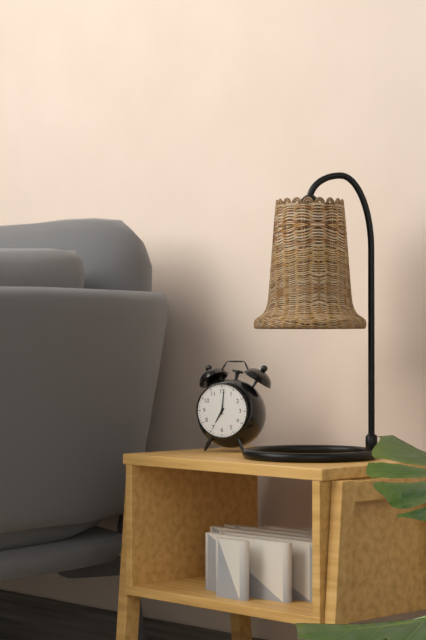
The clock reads **7:01**
